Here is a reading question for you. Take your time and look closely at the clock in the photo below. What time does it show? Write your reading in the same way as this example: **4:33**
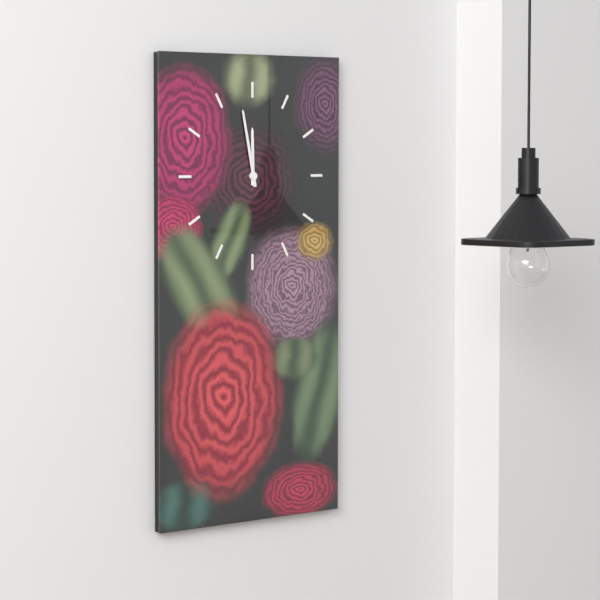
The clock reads **11:58**
